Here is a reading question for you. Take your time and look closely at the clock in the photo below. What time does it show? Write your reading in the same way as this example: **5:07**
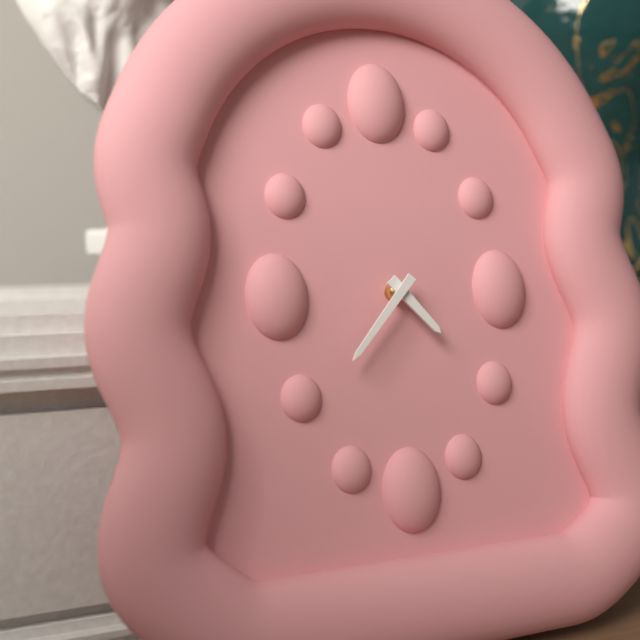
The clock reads **4:37**
